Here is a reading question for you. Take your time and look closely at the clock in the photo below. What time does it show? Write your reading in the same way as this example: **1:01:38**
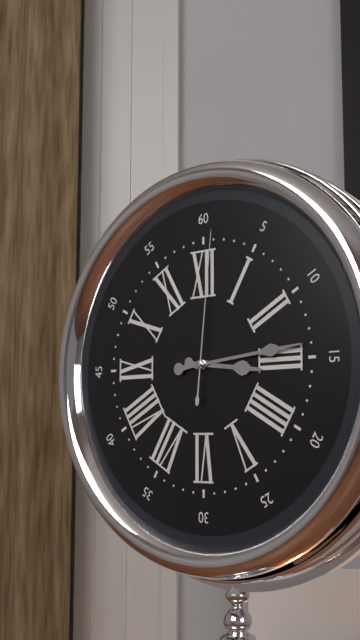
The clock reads **3:14:01**
